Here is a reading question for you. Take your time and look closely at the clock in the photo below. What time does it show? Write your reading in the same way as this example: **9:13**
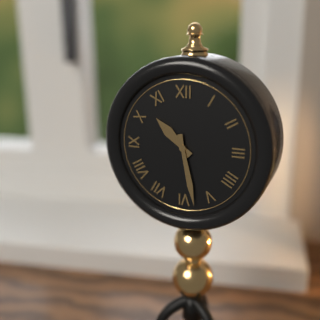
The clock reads **10:28**
